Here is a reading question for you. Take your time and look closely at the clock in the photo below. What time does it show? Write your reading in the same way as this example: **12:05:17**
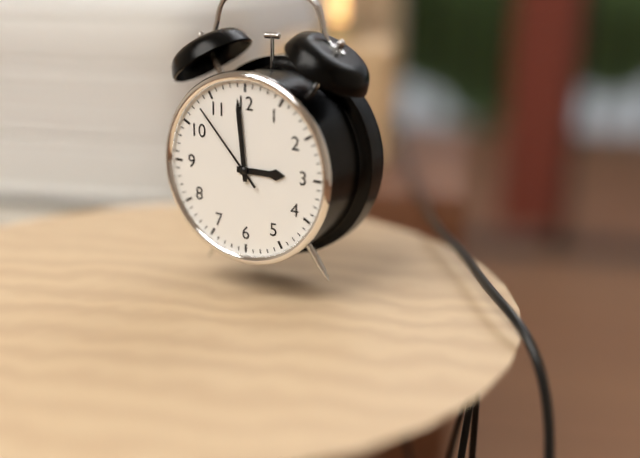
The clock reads **2:59:53**
